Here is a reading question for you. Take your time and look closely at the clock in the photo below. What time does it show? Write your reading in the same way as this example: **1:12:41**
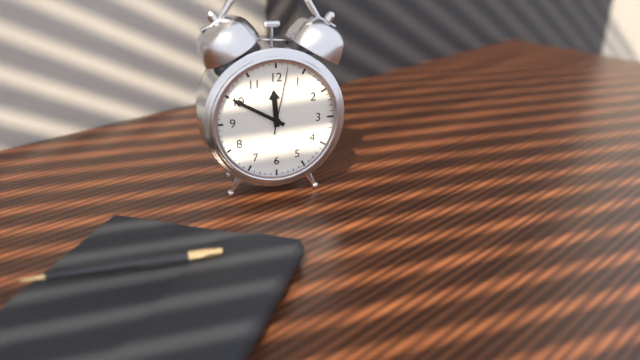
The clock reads **11:50:02**
